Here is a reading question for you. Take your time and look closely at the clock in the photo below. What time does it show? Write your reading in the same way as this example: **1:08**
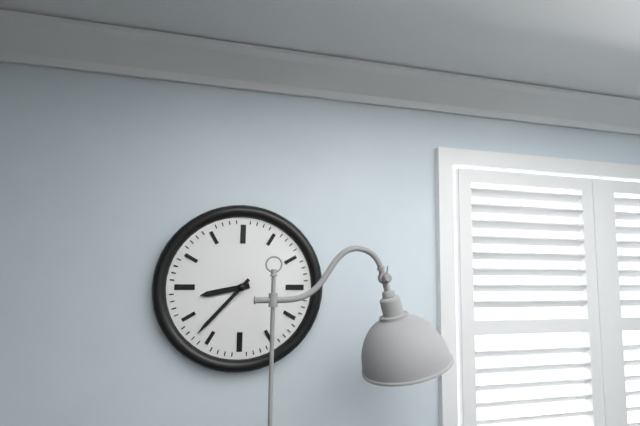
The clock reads **8:37**
